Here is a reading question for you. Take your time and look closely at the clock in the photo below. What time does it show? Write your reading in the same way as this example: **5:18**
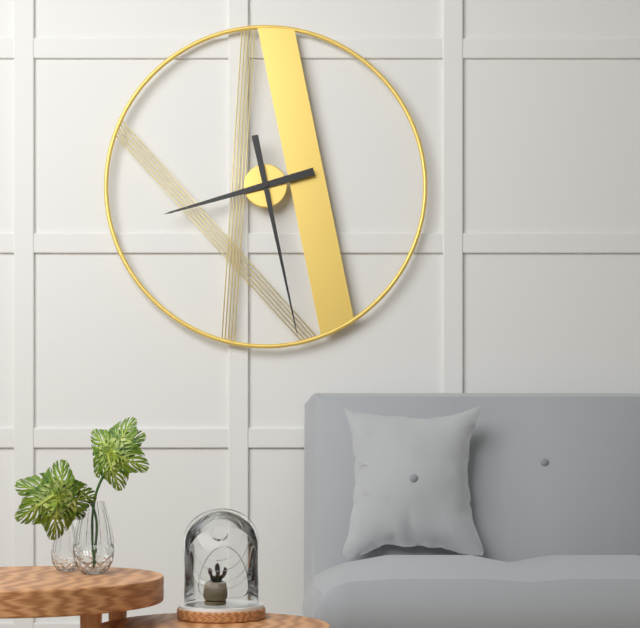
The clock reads **8:28**
